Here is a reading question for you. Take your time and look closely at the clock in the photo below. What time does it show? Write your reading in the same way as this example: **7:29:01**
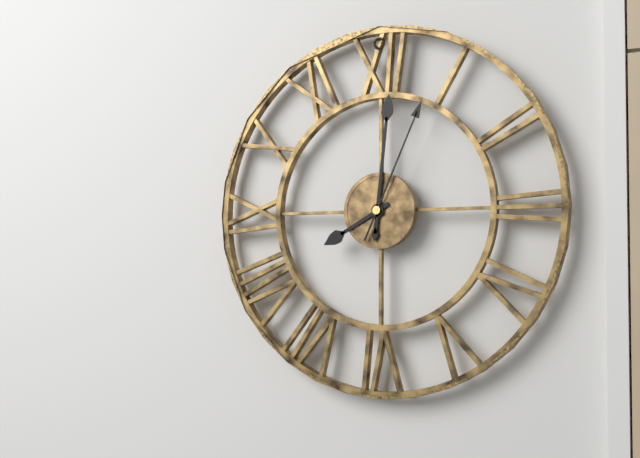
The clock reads **8:01:04**
